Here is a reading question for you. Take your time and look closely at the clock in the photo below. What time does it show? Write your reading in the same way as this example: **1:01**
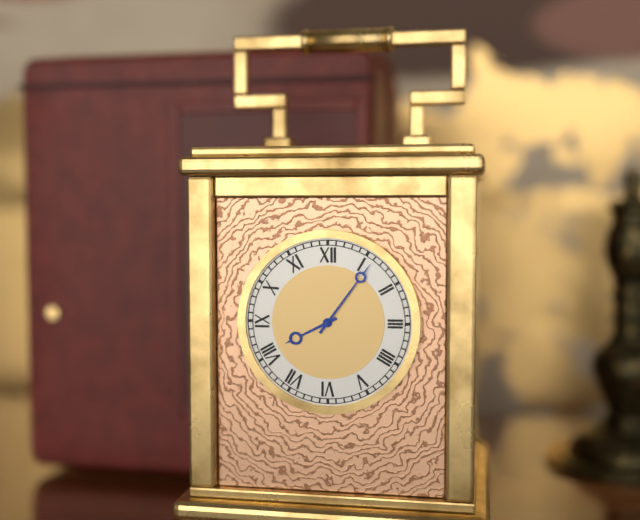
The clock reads **8:06**
